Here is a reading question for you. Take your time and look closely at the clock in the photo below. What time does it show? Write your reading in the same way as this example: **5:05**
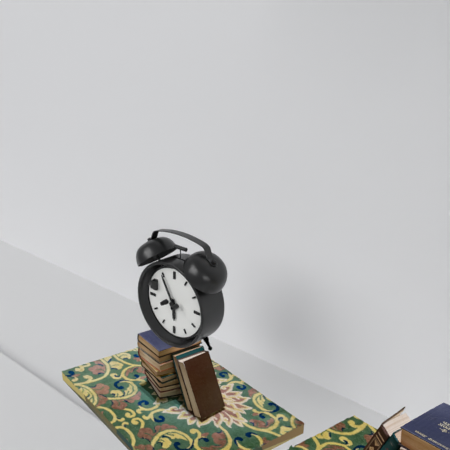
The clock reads **5:55**
